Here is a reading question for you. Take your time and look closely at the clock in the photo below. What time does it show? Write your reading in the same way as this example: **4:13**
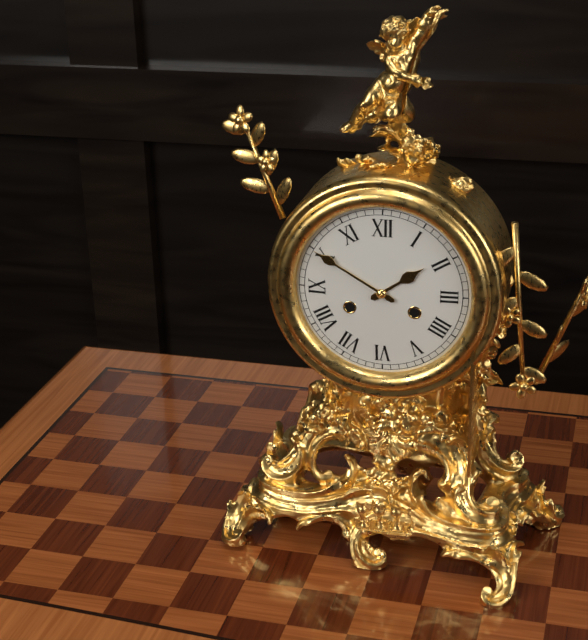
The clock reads **1:50**
